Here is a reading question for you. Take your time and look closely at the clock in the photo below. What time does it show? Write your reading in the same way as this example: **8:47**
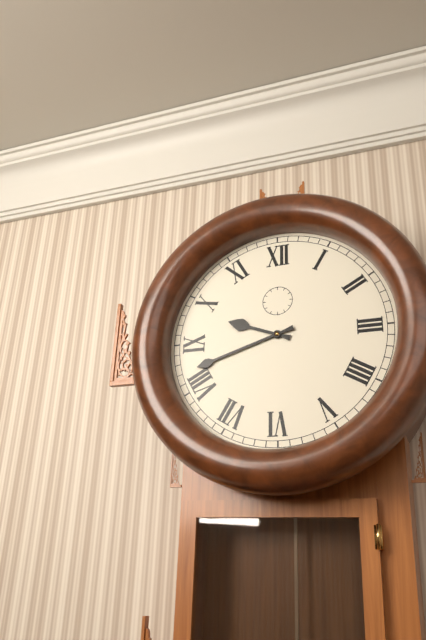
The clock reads **9:42**
